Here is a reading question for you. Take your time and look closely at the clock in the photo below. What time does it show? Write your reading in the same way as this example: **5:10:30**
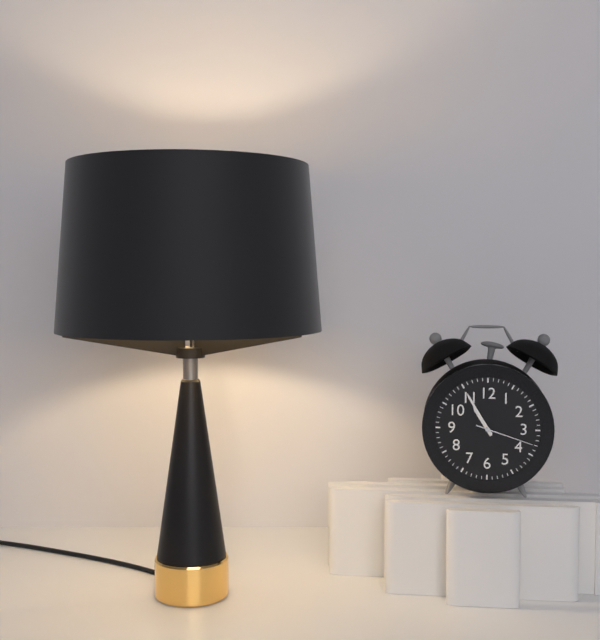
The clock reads **10:55:18**
